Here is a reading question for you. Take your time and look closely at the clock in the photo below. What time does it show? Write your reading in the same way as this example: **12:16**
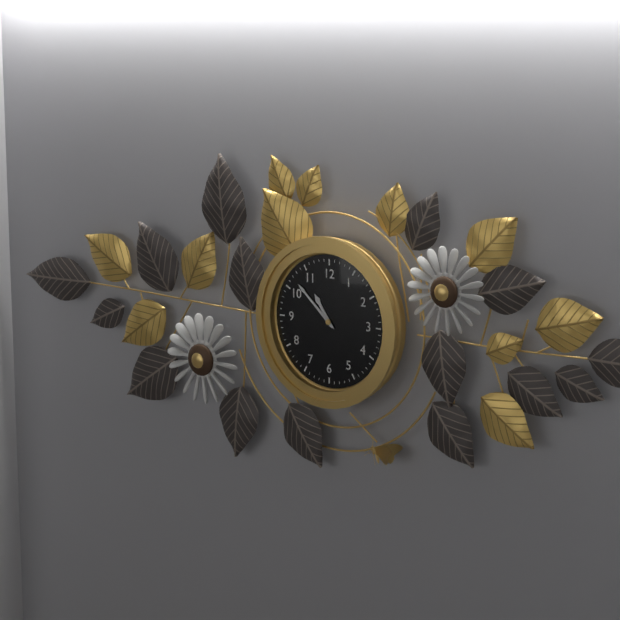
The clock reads **10:52**
